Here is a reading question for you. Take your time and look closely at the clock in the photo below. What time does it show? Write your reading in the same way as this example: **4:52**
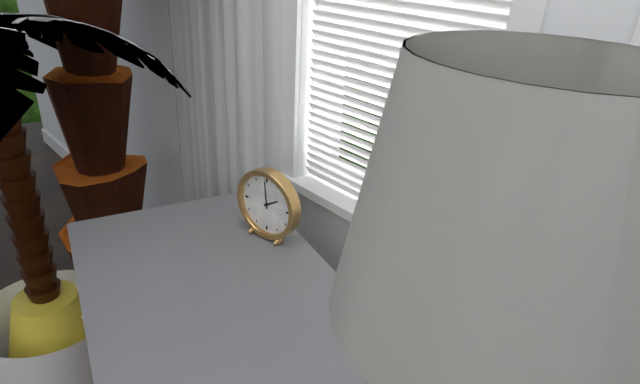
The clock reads **1:59**
